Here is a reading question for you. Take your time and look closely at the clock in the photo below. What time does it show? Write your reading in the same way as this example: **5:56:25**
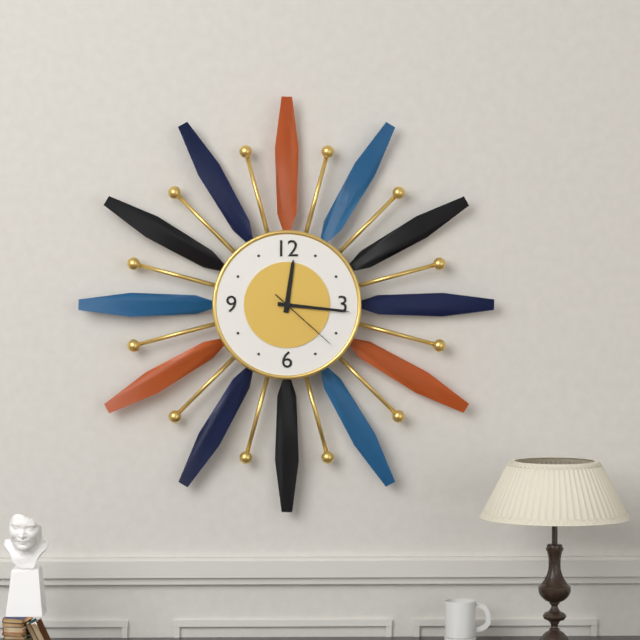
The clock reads **12:16:22**
